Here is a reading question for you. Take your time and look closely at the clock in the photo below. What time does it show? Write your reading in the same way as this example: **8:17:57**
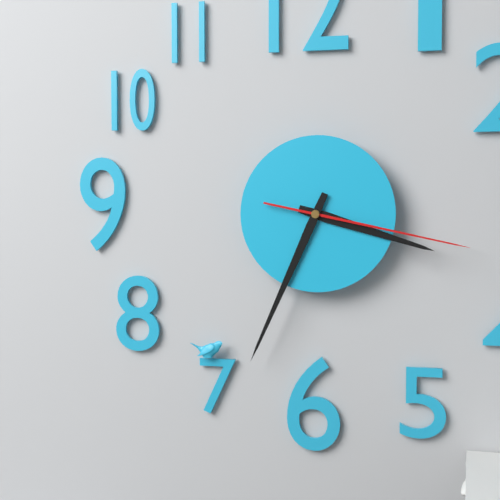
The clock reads **3:34:17**
